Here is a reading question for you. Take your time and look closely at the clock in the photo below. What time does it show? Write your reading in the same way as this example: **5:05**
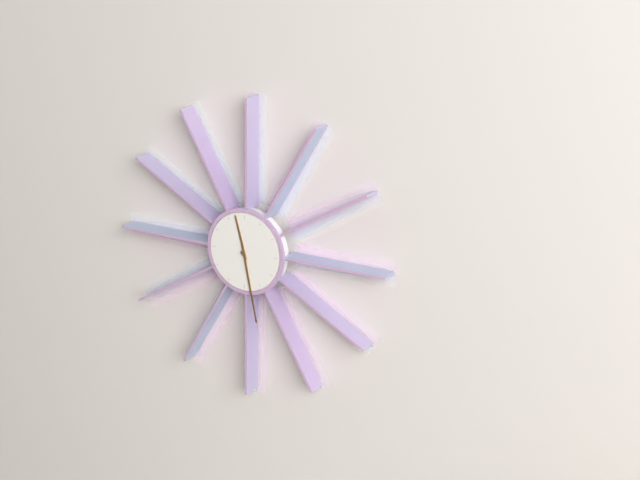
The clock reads **11:28**
